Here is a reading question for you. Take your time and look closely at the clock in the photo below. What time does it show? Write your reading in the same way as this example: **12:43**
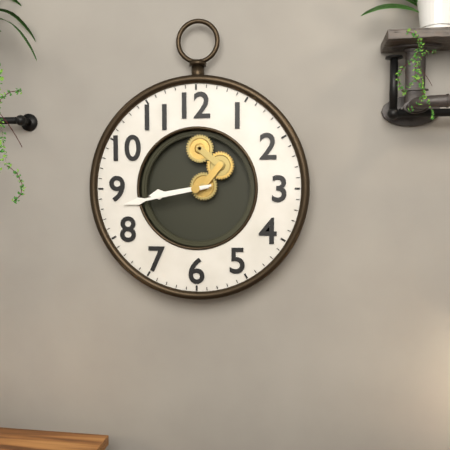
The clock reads **8:43**
